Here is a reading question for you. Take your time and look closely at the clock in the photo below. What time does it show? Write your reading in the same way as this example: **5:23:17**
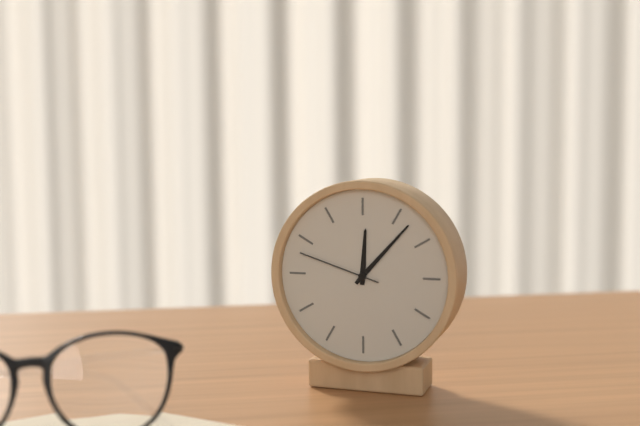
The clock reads **12:07:48**
